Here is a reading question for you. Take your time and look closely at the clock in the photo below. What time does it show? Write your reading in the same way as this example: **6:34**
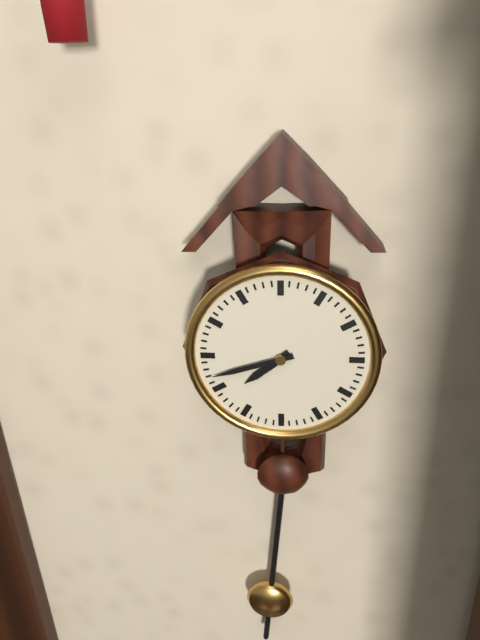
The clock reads **7:42**
